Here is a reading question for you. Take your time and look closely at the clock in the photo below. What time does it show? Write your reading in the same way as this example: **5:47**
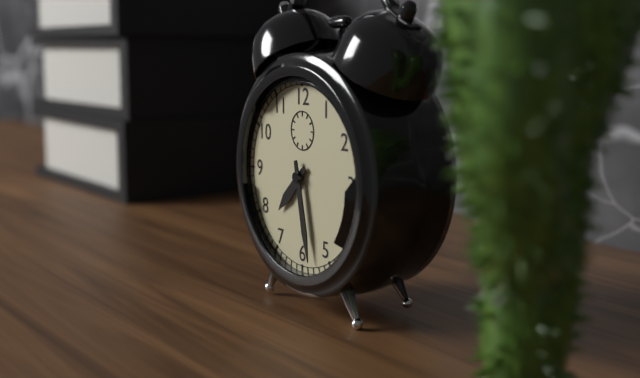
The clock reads **7:28**
